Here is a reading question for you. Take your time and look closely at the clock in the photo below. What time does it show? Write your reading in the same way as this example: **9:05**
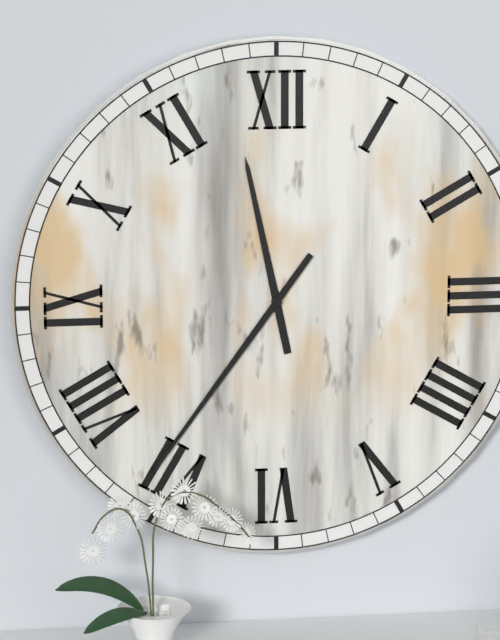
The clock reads **11:36**
